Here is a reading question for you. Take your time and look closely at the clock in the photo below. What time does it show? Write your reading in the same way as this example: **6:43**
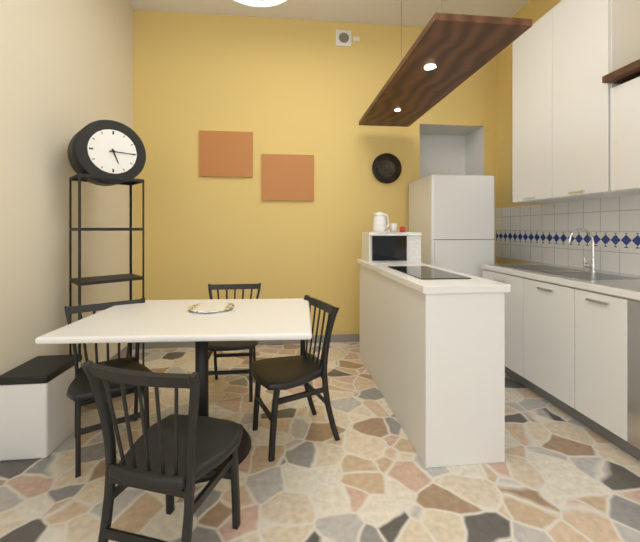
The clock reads **5:15**
